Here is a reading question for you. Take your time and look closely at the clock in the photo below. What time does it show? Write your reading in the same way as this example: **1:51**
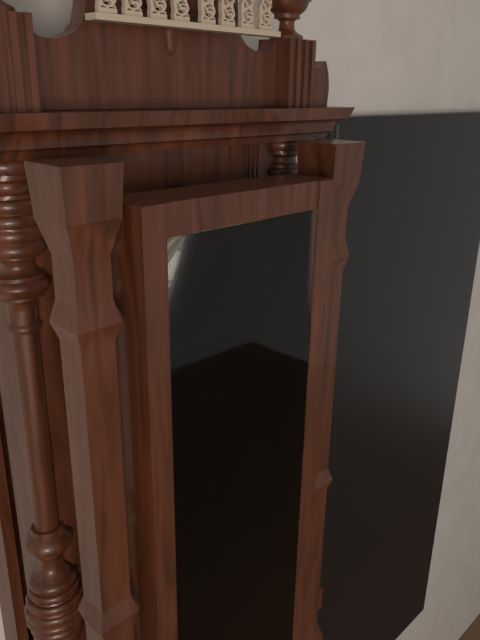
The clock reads **7:02**
